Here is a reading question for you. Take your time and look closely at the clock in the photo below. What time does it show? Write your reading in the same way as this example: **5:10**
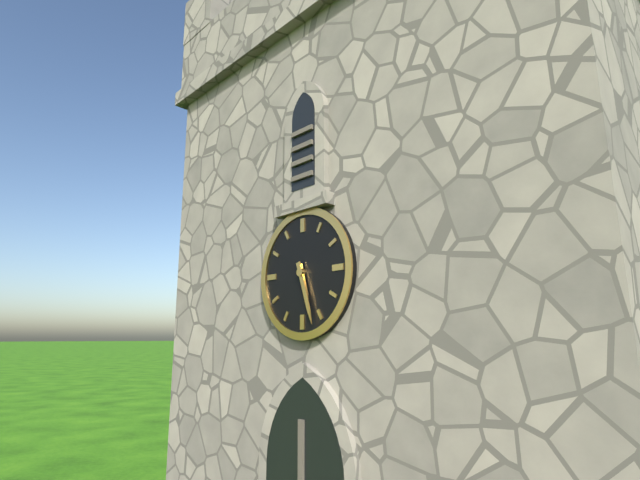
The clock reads **5:27**
